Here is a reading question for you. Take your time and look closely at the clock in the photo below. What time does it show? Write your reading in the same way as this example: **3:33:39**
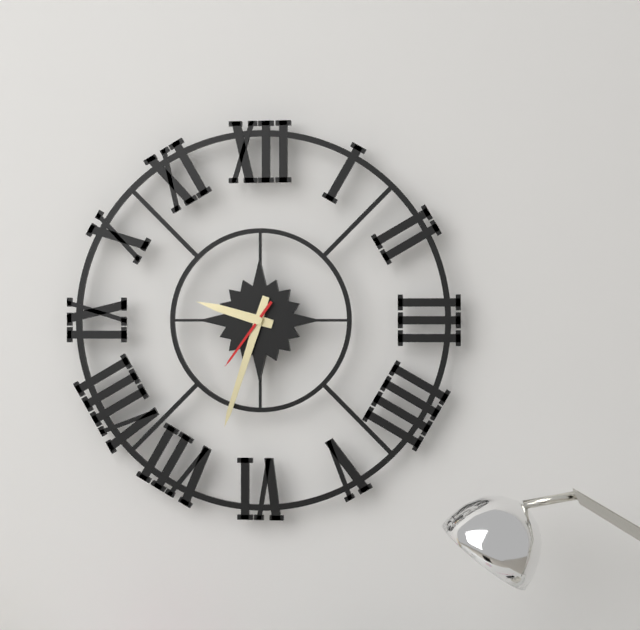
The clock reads **9:33:36**
